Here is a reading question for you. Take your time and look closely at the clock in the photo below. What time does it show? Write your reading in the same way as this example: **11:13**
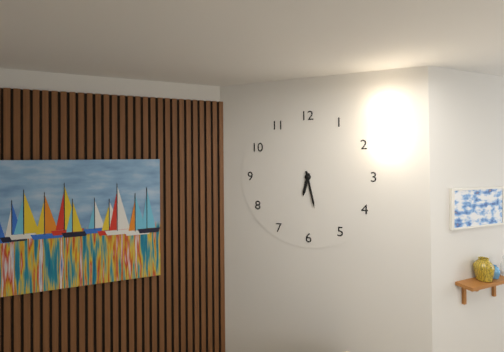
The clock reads **6:28**
